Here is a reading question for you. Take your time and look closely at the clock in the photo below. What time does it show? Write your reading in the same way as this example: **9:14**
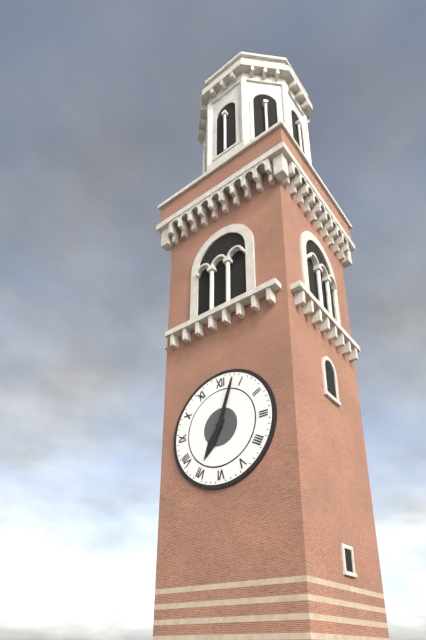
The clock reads **7:03**
